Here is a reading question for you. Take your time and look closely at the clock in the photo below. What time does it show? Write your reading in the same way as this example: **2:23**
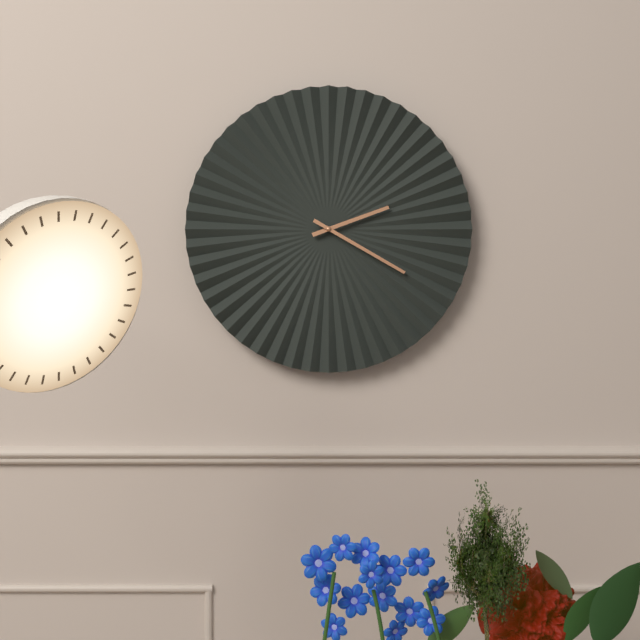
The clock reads **2:20**
